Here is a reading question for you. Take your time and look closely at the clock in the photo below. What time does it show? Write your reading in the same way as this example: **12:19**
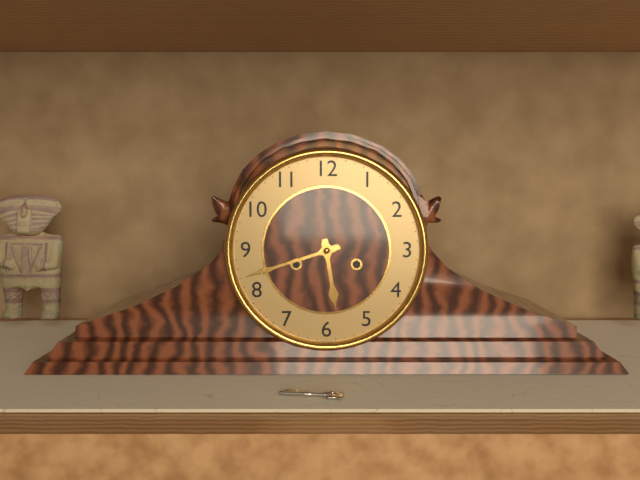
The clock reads **5:42**
